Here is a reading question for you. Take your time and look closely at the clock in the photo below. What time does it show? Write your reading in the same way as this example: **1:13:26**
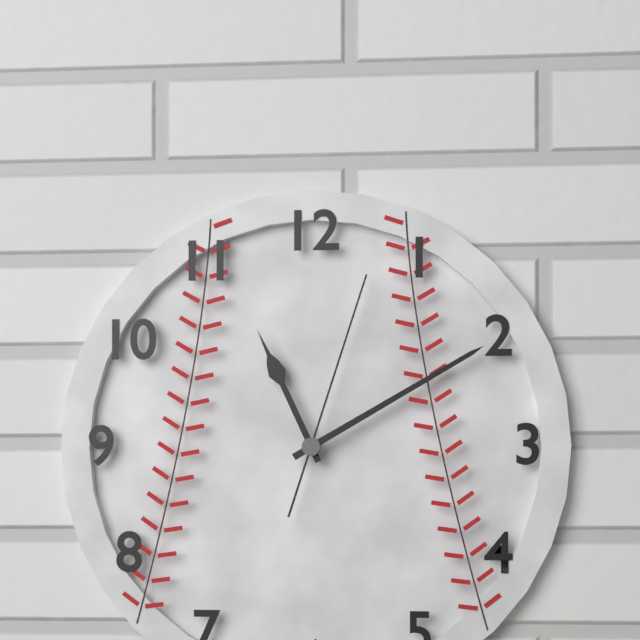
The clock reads **11:10:03**
